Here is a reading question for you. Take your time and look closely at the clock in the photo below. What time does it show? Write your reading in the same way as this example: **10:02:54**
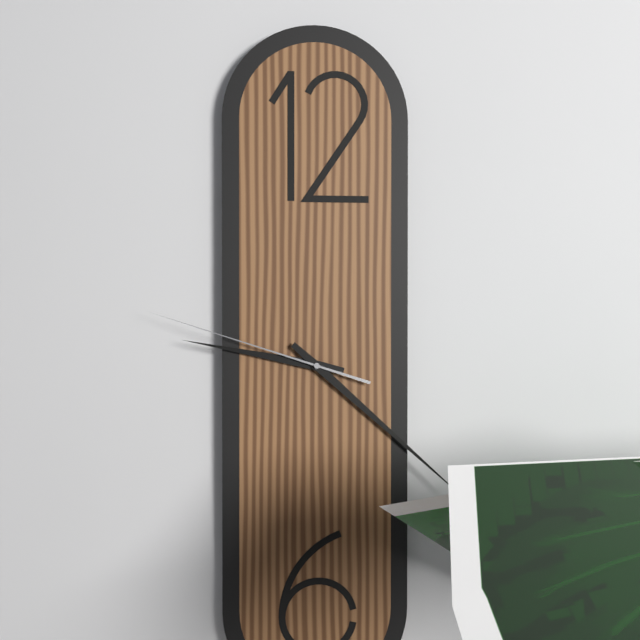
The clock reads **9:22:48**
